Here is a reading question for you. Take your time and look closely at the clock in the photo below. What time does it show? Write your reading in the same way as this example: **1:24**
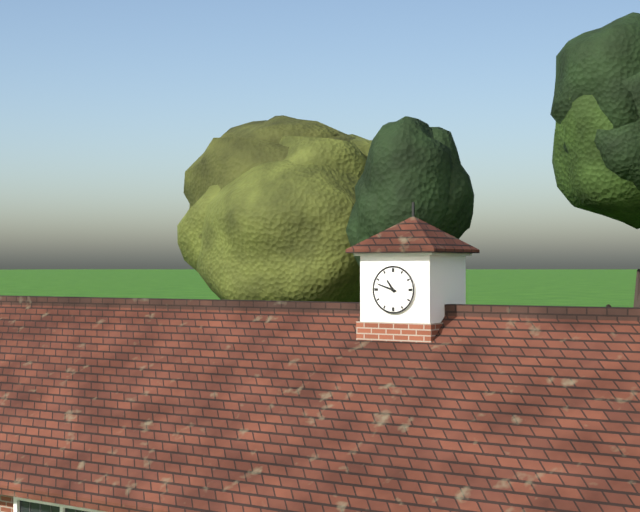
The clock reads **10:48**
